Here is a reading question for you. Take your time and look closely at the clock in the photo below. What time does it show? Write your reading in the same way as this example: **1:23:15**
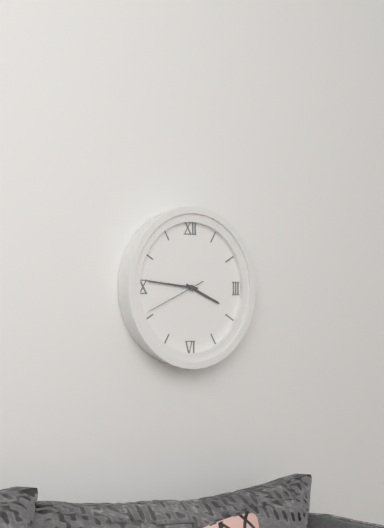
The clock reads **3:46:41**
